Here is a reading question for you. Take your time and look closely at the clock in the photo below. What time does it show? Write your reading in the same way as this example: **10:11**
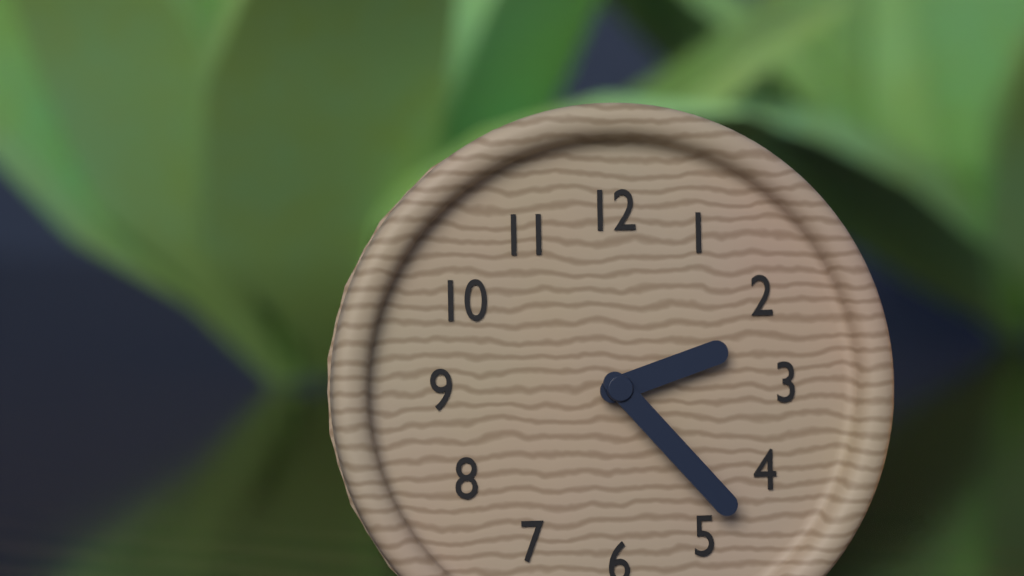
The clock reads **2:23**
